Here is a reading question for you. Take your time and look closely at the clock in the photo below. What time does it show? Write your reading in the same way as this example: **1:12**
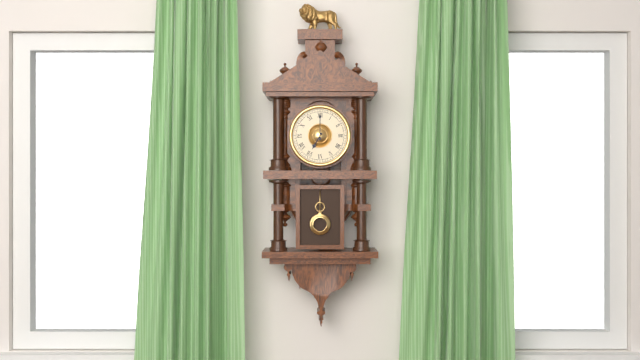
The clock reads **7:00**
